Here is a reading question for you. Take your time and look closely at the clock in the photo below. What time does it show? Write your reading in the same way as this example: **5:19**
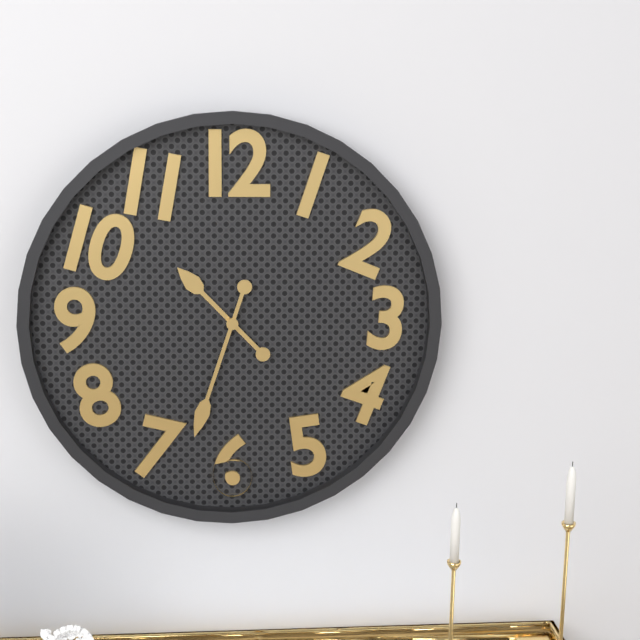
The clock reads **10:33**
